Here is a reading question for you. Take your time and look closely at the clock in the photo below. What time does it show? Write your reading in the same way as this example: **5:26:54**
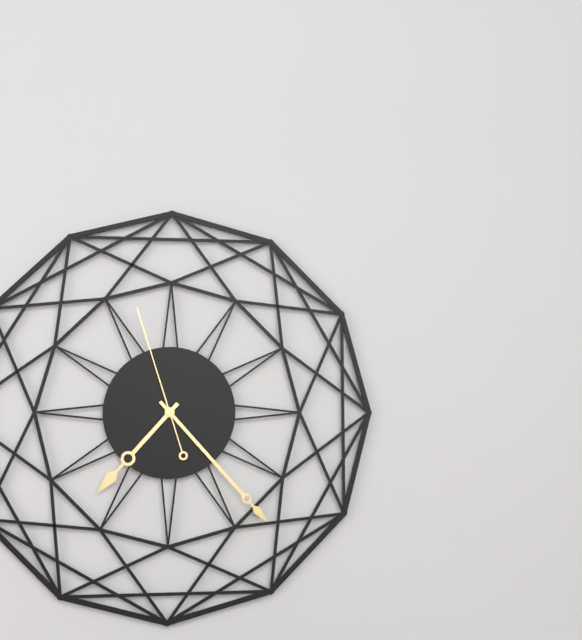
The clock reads **7:23:57**
